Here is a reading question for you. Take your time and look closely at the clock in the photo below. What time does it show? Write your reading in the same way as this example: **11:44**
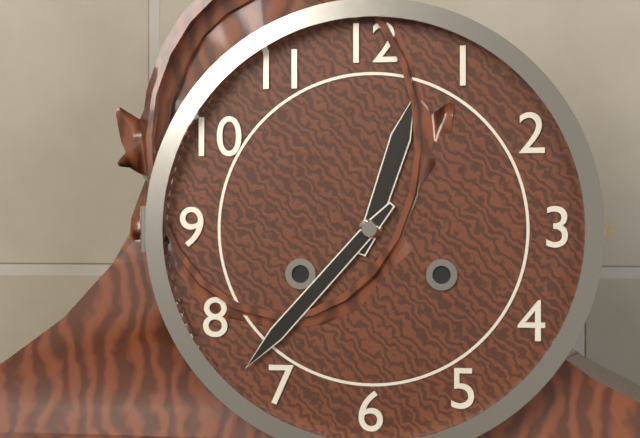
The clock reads **12:37**
